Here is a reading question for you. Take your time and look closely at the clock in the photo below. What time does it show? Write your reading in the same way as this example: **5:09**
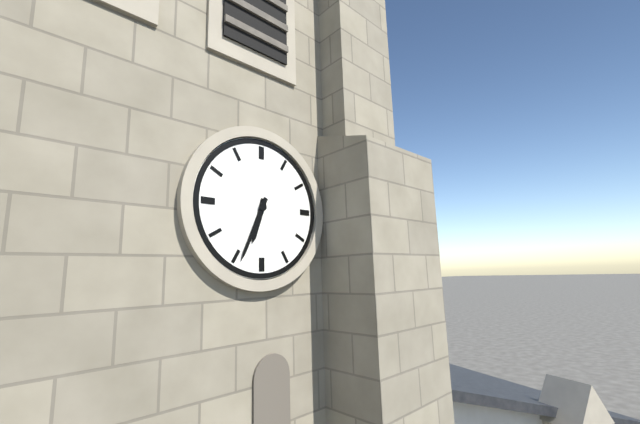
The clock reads **6:34**
